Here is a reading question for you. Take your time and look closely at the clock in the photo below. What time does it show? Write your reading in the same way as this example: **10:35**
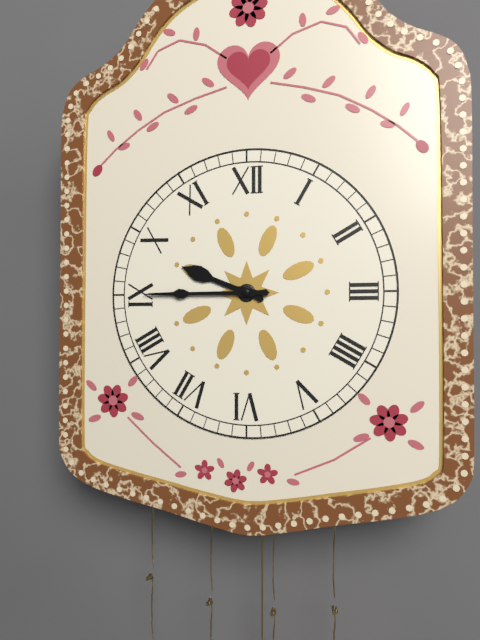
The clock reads **9:45**
